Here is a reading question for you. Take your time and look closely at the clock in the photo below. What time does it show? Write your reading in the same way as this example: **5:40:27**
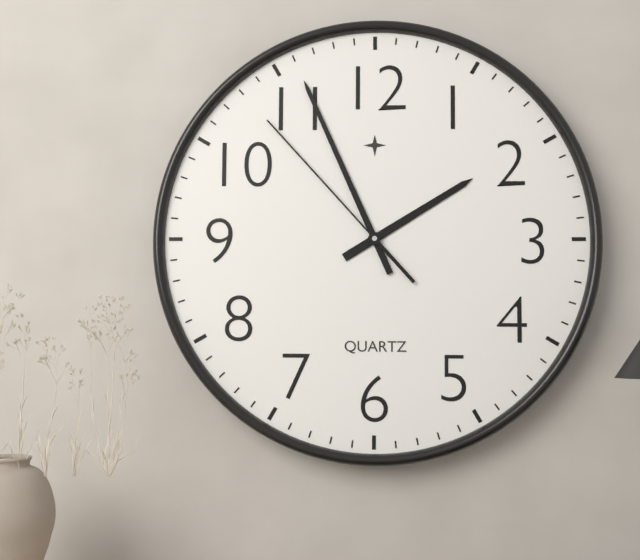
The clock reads **1:56:53**
